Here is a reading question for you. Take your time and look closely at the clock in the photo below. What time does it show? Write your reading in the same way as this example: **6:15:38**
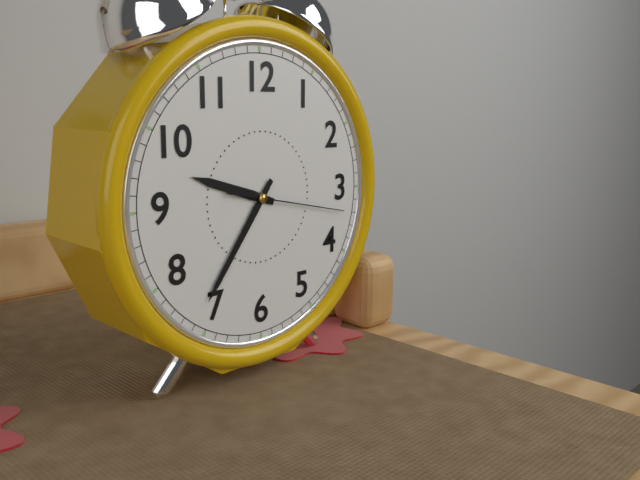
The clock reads **9:36:17**
